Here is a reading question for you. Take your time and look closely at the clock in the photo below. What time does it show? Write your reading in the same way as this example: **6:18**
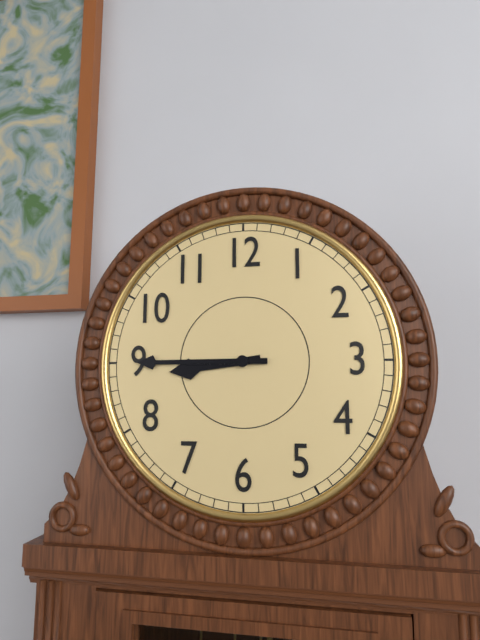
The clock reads **8:45**
